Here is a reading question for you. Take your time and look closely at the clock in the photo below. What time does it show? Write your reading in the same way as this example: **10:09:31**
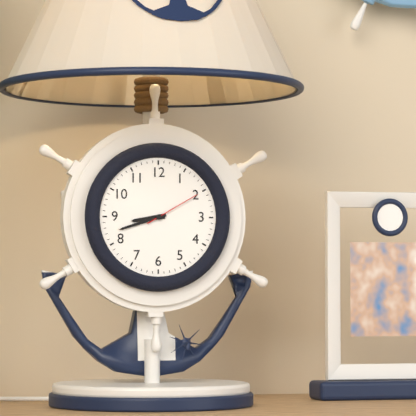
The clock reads **8:42:10**
